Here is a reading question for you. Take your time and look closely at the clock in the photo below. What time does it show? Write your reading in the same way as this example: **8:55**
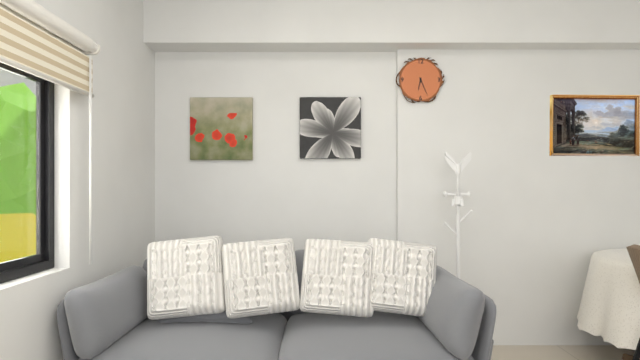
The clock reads **6:26**
